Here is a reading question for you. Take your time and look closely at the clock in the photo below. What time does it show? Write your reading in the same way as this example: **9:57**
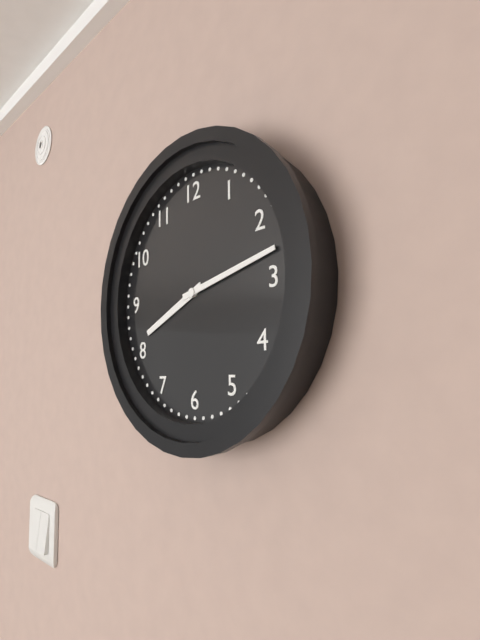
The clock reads **8:13**
